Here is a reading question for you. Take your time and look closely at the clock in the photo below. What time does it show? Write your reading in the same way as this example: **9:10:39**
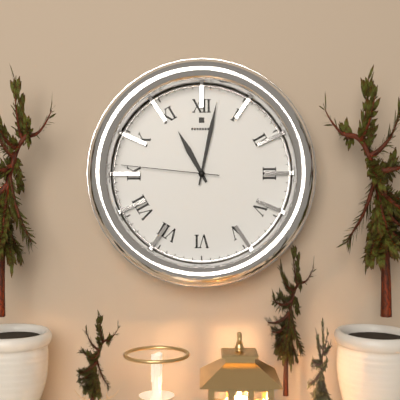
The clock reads **11:02:46**
